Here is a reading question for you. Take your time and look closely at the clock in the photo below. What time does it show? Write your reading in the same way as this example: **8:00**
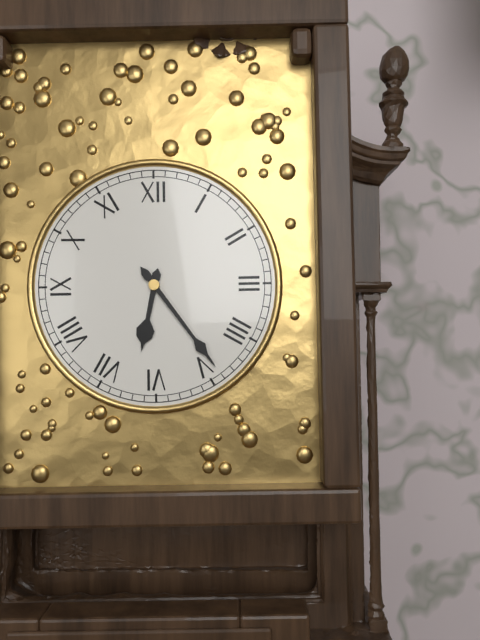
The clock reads **6:24**
